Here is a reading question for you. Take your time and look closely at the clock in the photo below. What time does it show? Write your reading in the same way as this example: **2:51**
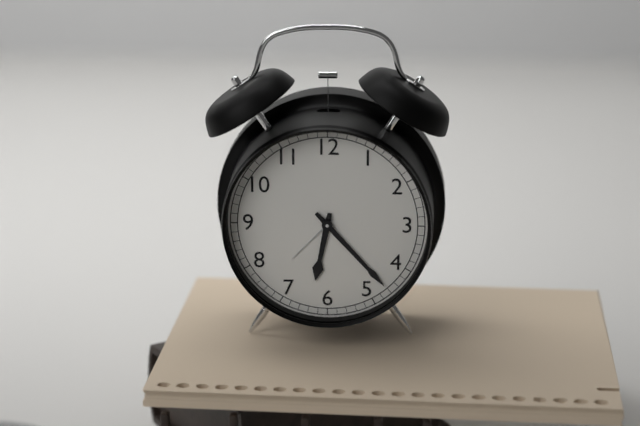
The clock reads **6:23**
